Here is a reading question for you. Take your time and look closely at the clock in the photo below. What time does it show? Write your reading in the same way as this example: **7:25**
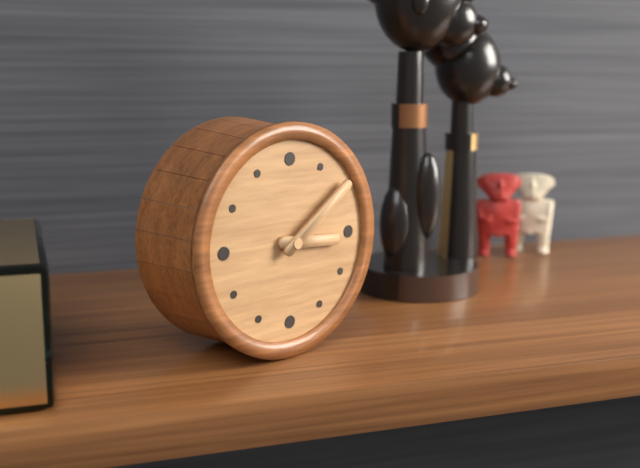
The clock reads **3:09**
